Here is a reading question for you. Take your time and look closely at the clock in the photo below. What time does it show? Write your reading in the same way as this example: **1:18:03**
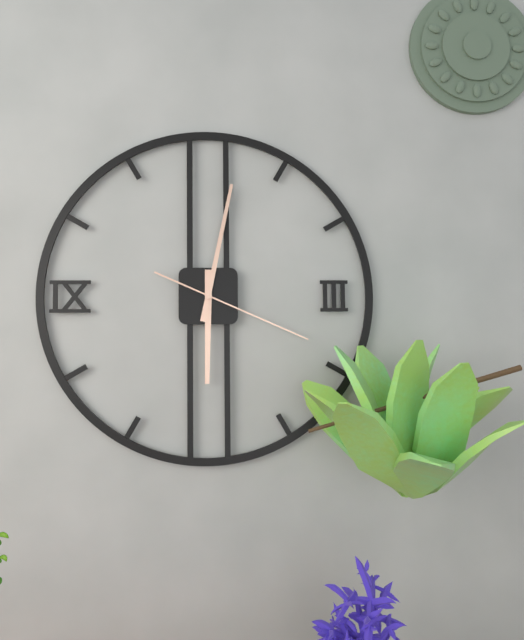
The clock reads **6:02:19**
